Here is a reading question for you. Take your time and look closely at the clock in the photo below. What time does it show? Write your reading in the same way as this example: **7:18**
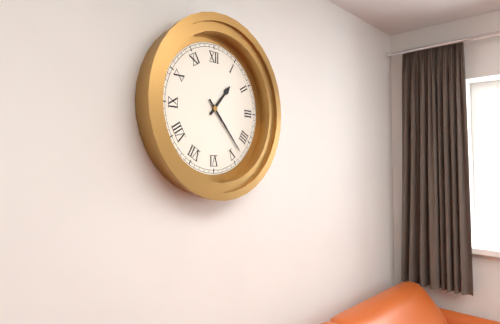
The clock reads **1:23**
